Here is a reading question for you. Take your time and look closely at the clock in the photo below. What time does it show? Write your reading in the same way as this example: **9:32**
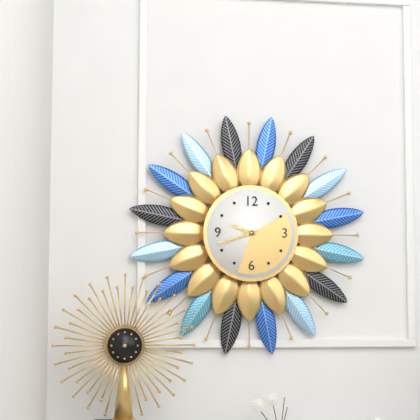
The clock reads **9:42**
